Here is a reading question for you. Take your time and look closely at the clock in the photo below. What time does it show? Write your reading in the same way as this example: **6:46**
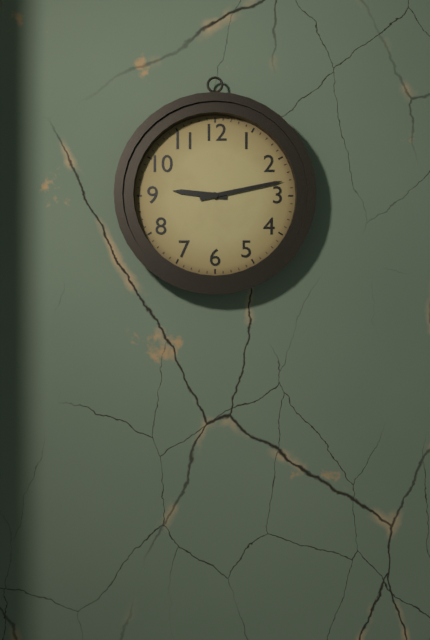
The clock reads **9:13**
